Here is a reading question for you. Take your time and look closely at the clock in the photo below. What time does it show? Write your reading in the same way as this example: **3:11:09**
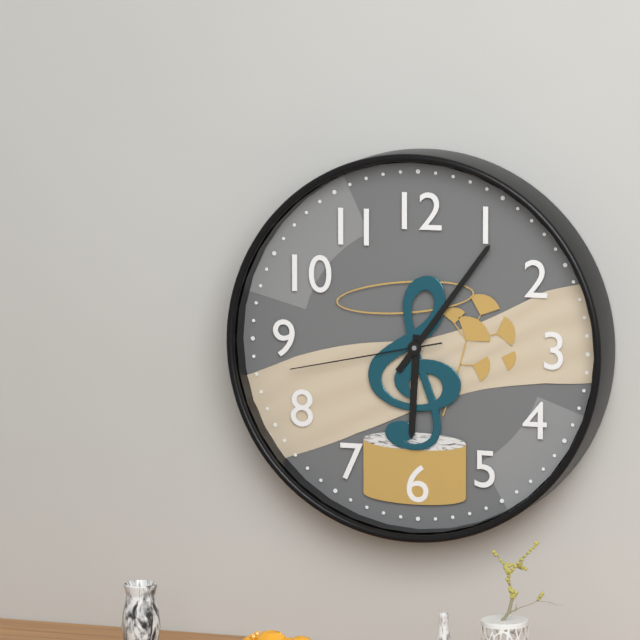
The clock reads **6:06:43**
